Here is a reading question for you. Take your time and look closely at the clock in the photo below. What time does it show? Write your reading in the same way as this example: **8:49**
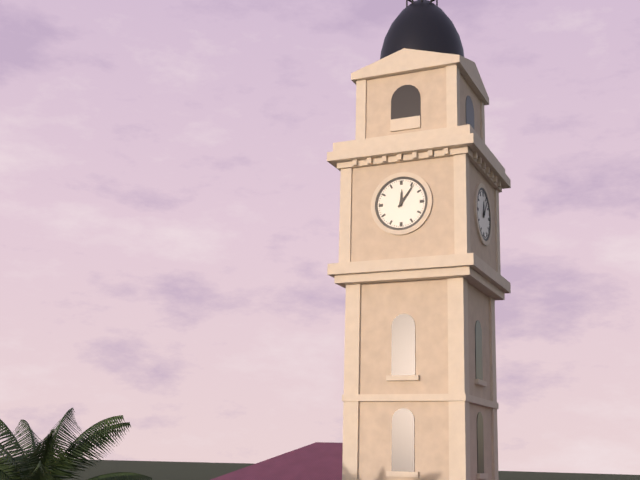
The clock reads **12:06**
